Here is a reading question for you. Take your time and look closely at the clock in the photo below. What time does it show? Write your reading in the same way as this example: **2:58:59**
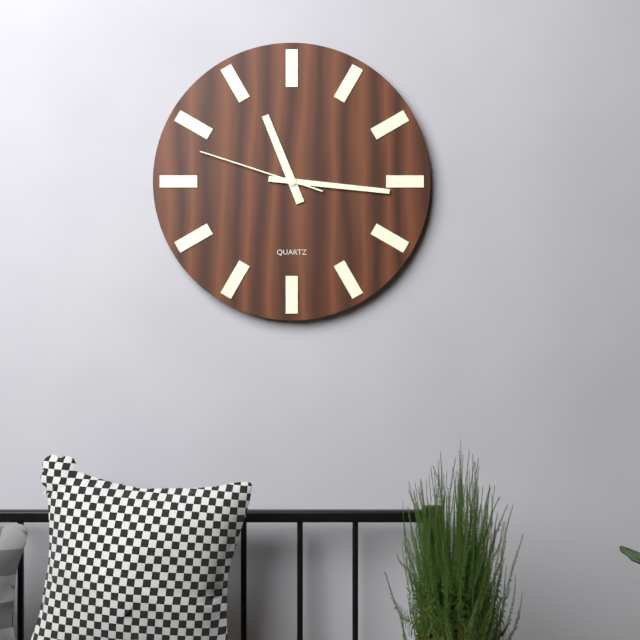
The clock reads **11:16:48**
